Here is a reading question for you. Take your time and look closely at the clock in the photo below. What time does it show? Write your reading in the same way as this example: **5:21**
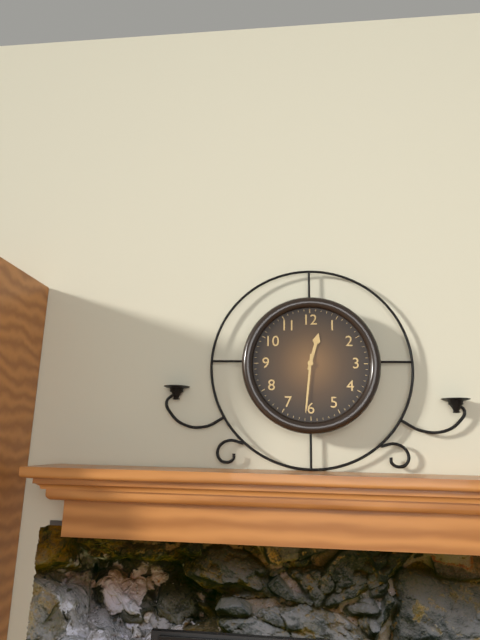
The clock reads **12:31**
